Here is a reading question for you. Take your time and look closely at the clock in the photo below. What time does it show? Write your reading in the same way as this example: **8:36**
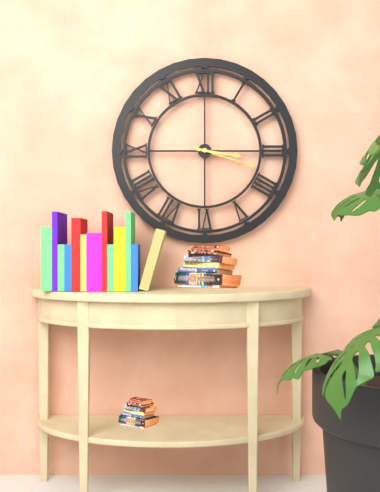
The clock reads **3:18**
